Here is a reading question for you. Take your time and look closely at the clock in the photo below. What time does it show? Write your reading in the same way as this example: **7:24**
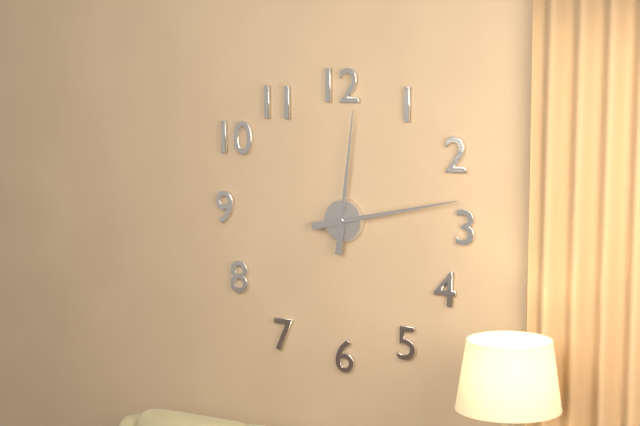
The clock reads **12:13**
